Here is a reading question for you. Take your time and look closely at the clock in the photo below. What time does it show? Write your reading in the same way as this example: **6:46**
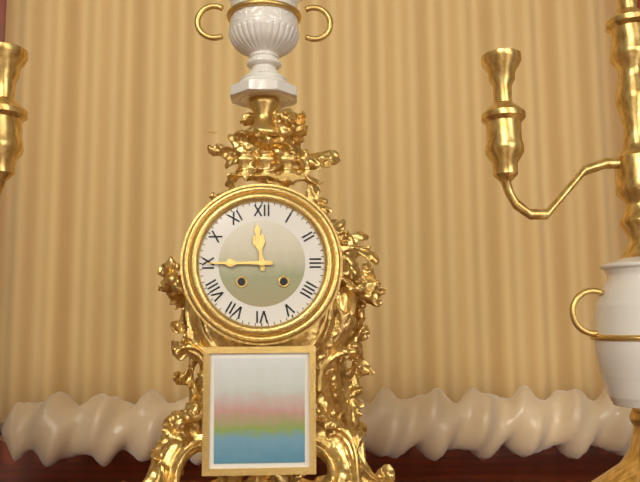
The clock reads **11:45**
